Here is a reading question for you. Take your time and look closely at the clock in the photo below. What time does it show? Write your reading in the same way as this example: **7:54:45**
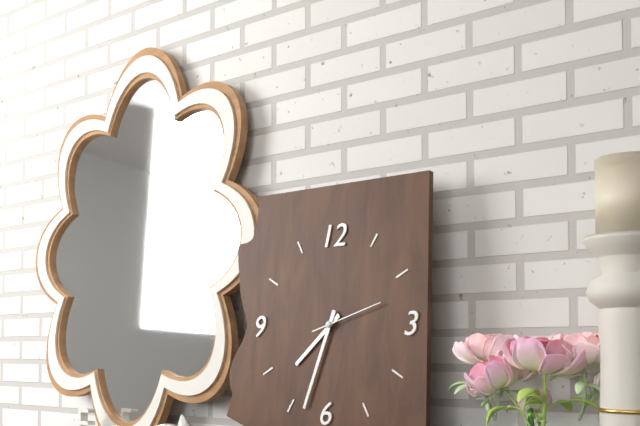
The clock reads **7:33:12**
